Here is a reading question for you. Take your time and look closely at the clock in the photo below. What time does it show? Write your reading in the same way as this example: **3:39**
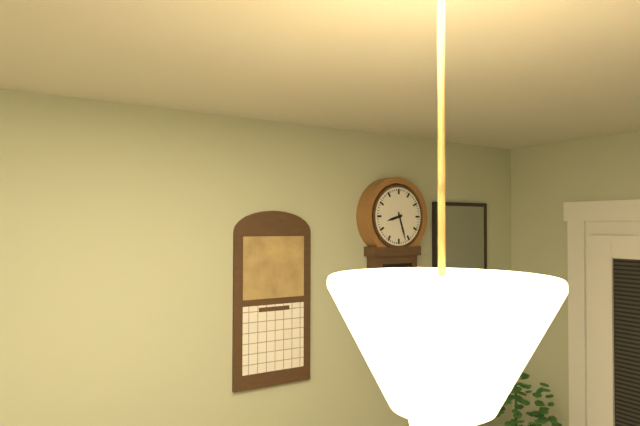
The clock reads **8:27**
